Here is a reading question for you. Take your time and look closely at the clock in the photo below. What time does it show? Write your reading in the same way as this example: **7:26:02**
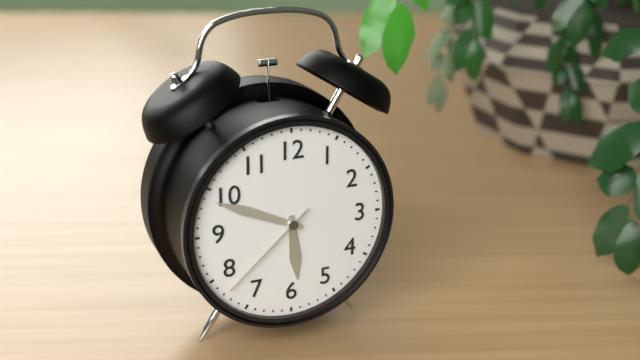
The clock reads **5:49:38**
